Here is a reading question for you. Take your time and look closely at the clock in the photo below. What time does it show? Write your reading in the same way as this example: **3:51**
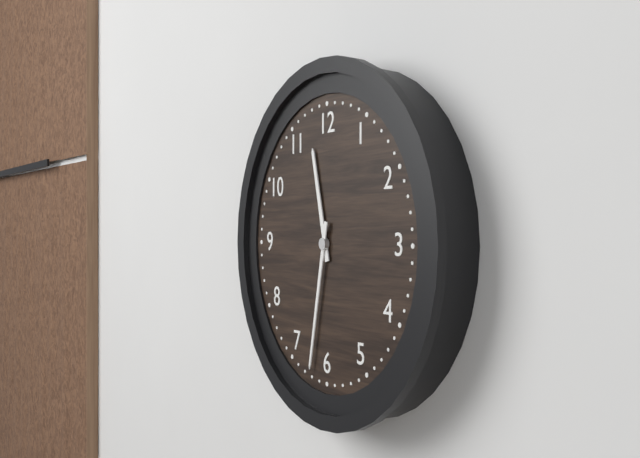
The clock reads **11:32**
